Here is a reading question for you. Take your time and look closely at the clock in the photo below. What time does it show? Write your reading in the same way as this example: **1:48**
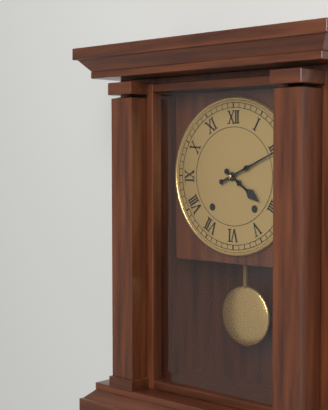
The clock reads **4:11**
